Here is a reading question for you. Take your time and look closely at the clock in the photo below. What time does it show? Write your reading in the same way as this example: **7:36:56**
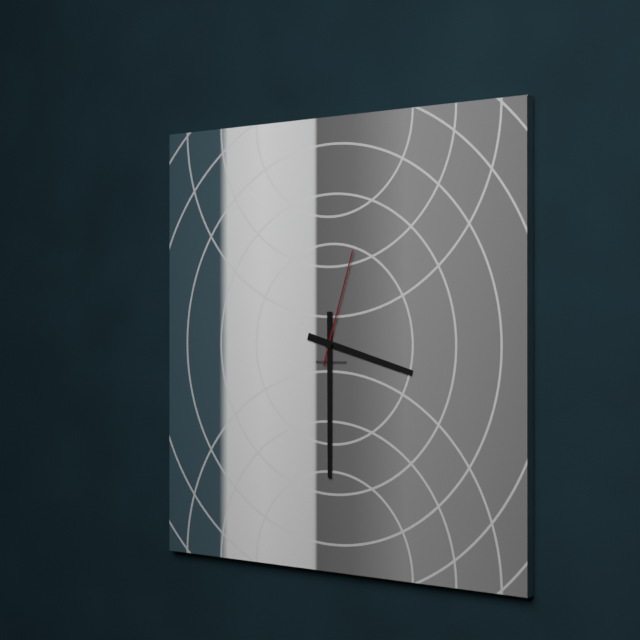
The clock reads **3:30:03**
